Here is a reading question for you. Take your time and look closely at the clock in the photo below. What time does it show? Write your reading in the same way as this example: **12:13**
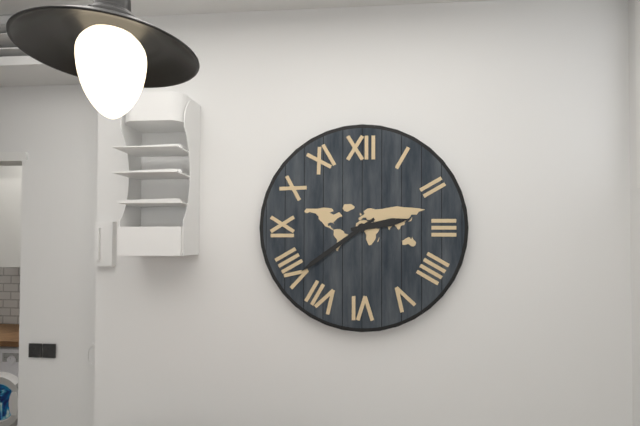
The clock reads **2:39**
